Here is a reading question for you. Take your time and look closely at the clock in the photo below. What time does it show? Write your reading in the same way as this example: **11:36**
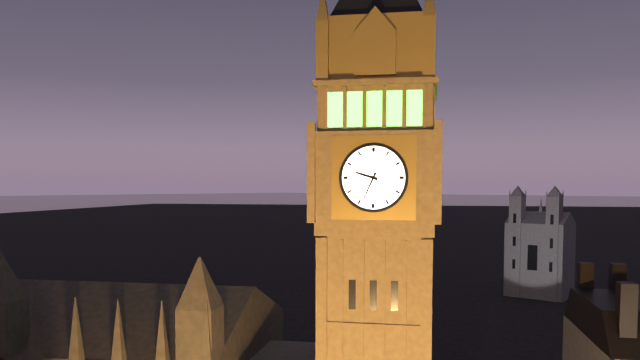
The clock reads **9:34**
